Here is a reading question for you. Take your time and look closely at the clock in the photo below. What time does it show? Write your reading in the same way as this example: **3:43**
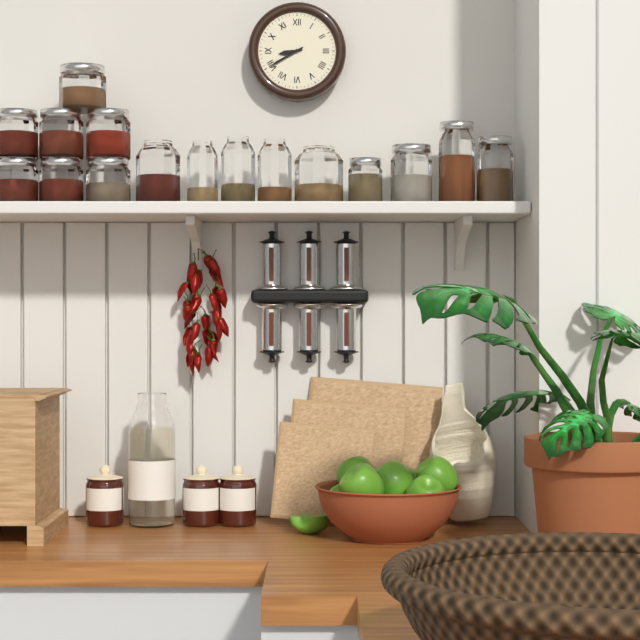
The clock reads **8:40**
